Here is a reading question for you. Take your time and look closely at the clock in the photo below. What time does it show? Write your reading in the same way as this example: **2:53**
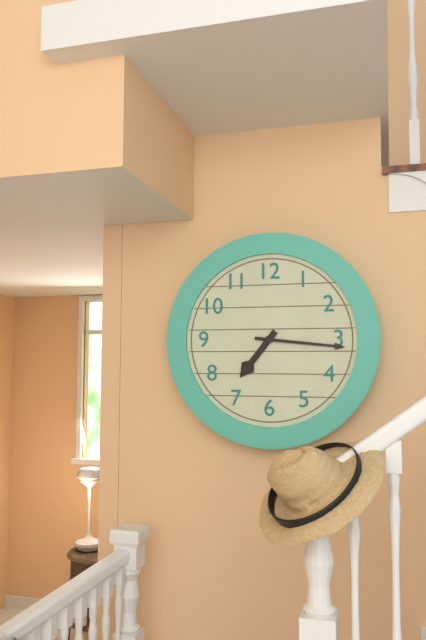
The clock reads **7:16**
